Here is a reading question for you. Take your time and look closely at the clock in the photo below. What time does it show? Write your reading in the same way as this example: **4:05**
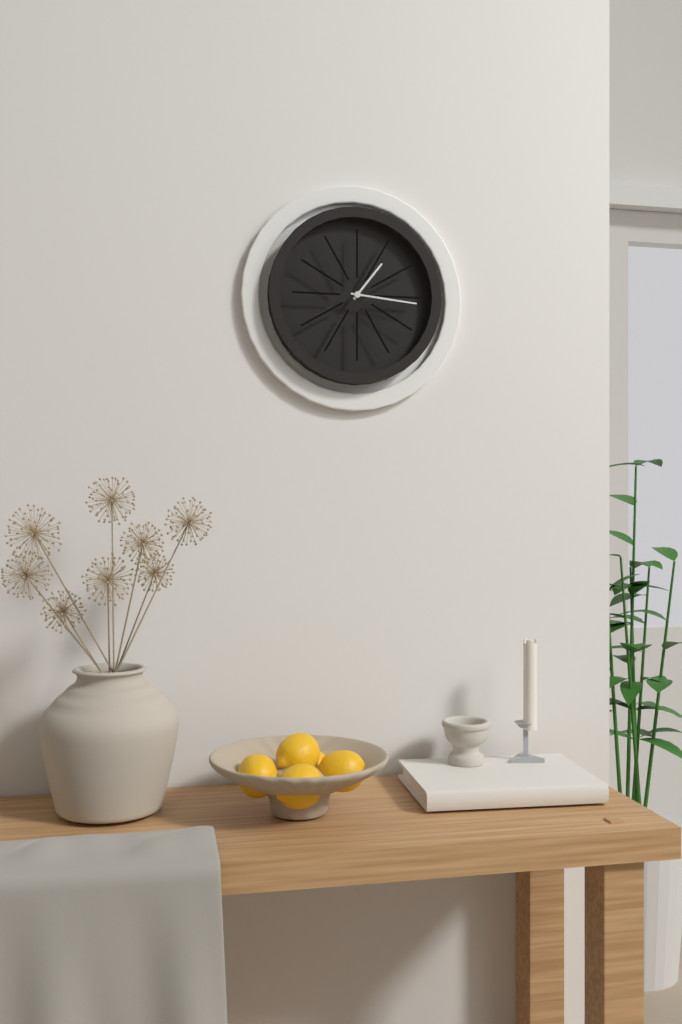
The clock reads **1:16**
